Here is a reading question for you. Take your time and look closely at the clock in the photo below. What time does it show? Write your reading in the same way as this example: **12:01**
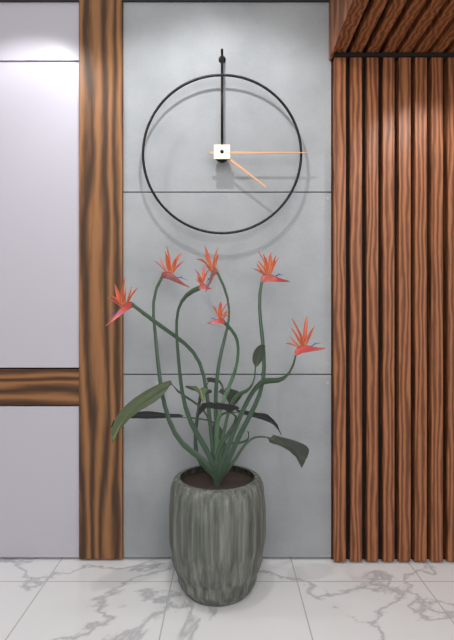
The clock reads **4:15**
